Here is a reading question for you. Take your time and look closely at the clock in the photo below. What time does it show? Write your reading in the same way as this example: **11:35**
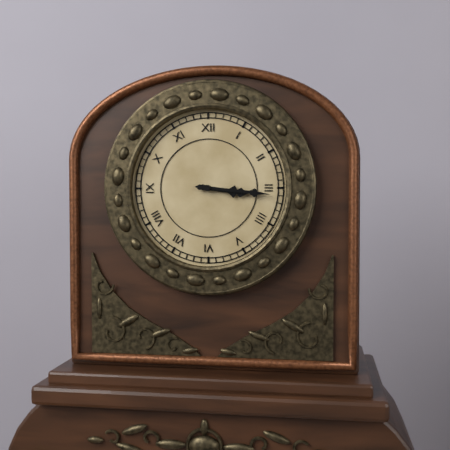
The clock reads **3:16**
